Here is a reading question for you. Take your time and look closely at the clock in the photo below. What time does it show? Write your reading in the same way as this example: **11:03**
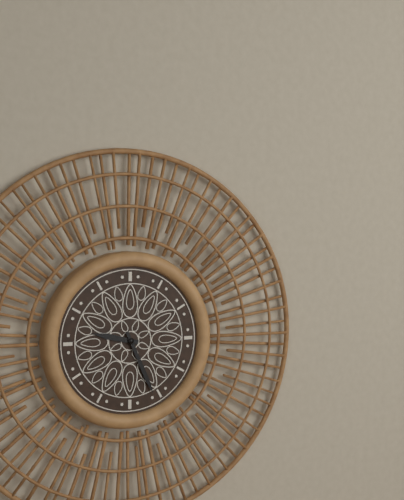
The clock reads **9:26**
